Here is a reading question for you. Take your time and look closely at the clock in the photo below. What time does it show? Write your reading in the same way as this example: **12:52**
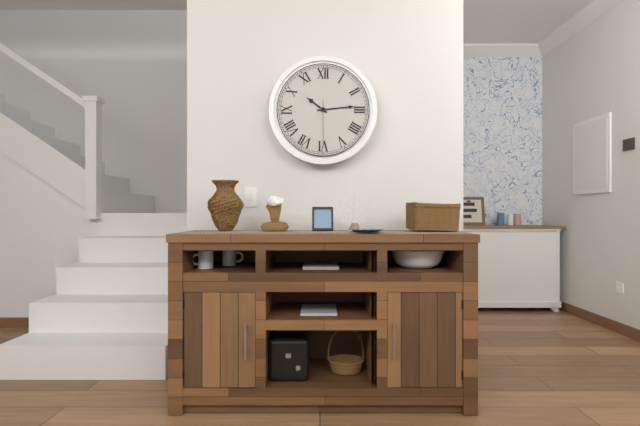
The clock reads **10:14**
